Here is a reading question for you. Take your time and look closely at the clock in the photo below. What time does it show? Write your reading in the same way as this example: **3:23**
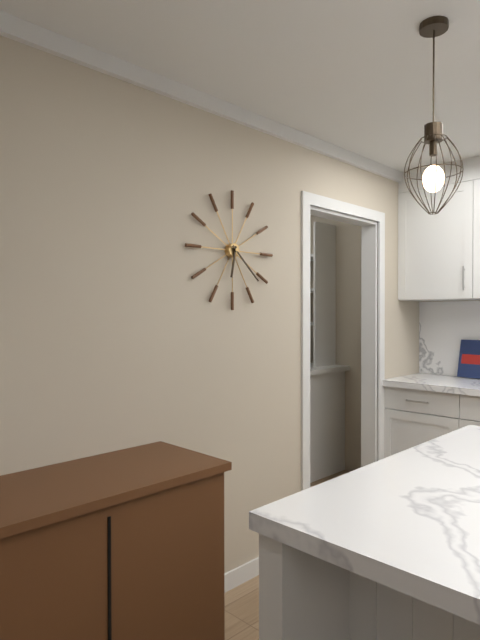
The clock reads **6:22**
